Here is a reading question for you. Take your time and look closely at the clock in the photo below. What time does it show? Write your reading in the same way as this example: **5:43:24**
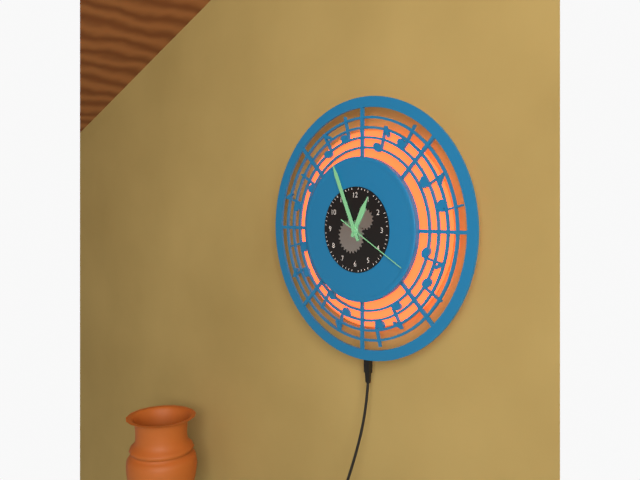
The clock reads **12:56:20**
